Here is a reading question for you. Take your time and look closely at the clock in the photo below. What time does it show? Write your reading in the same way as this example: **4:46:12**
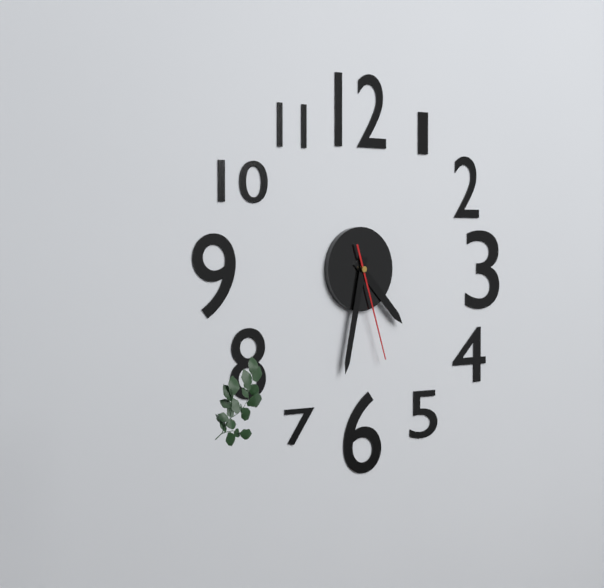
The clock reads **4:32:27**
